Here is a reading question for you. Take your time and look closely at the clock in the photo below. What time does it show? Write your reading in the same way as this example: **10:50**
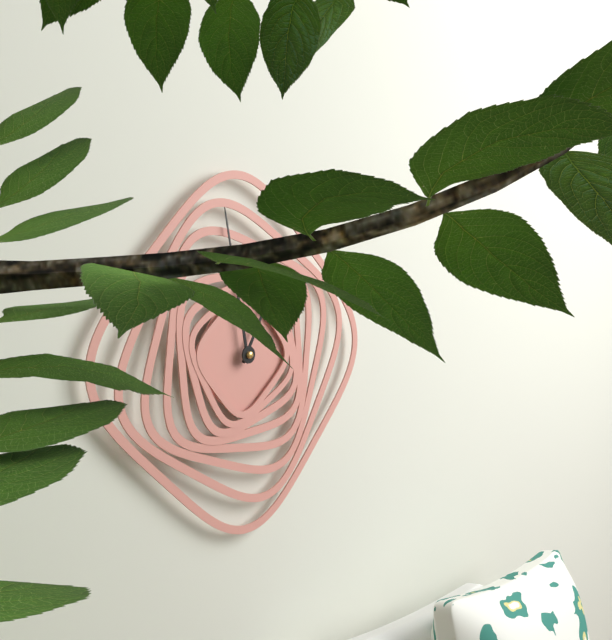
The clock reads **12:58**
